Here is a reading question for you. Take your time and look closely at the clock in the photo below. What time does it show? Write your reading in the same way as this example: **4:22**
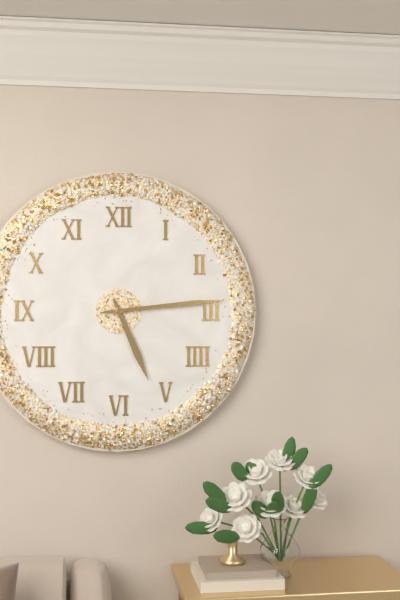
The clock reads **5:14**
